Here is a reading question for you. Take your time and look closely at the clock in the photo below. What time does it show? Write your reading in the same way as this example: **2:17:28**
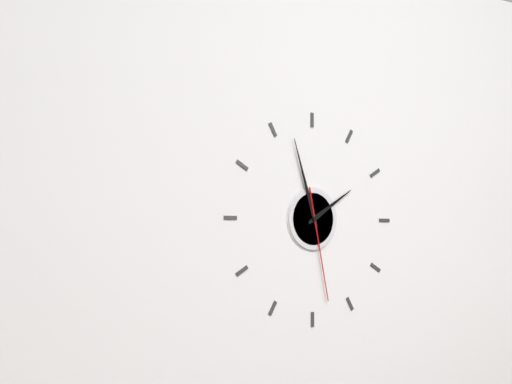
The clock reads **1:57:28**
